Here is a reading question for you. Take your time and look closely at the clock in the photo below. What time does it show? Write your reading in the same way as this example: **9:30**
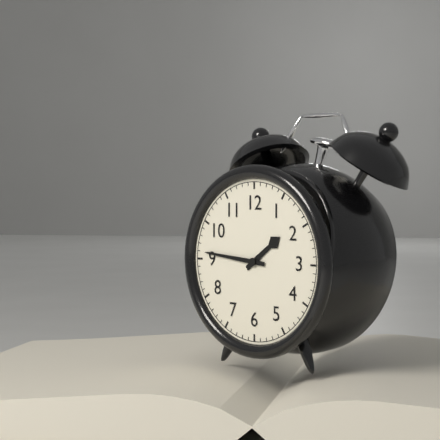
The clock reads **1:46**
